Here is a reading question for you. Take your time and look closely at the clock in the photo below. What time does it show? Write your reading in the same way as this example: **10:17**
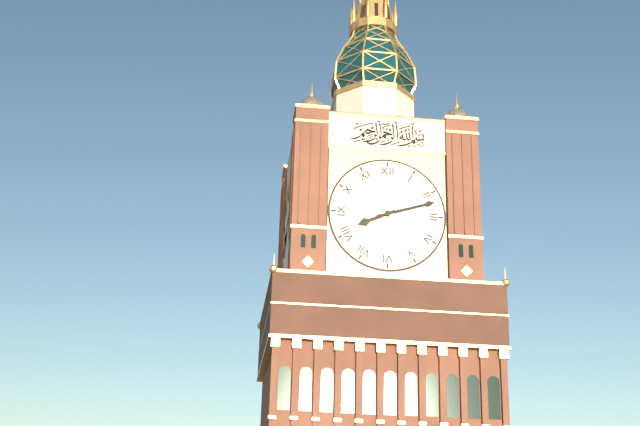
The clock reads **8:12**
